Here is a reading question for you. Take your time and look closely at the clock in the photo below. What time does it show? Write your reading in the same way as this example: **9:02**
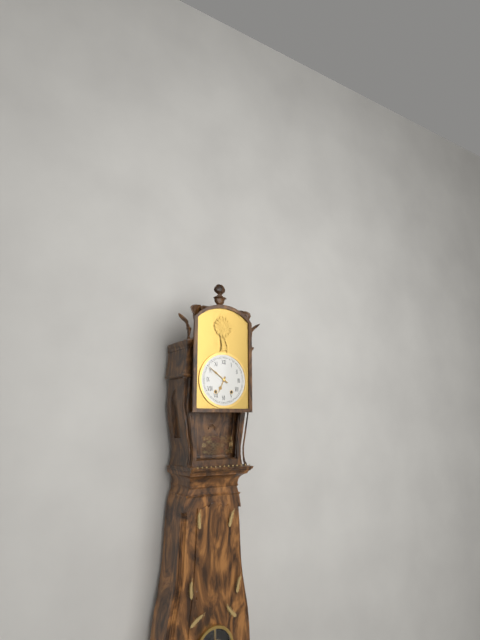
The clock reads **6:51**
